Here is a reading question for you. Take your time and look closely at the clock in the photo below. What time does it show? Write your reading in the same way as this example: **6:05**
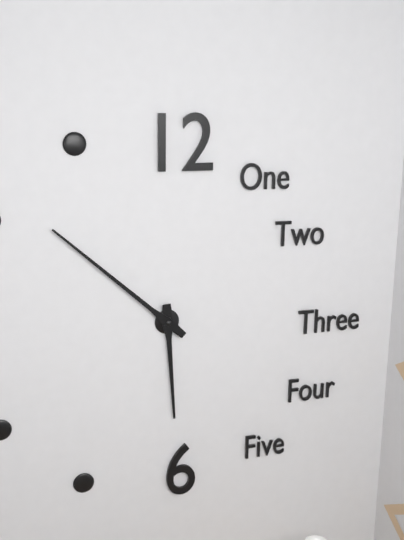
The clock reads **5:52**
